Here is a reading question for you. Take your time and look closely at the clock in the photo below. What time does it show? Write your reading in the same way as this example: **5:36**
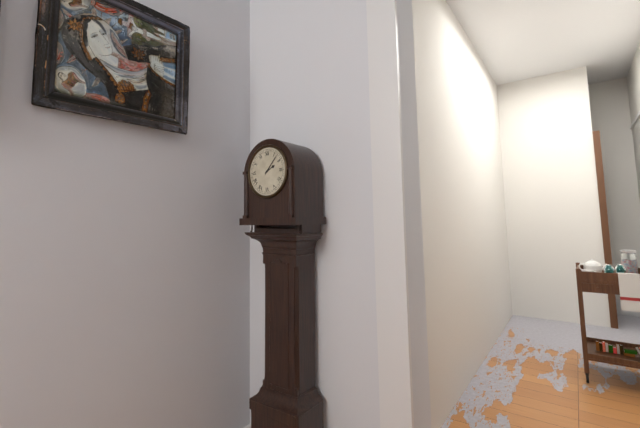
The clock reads **2:07**
